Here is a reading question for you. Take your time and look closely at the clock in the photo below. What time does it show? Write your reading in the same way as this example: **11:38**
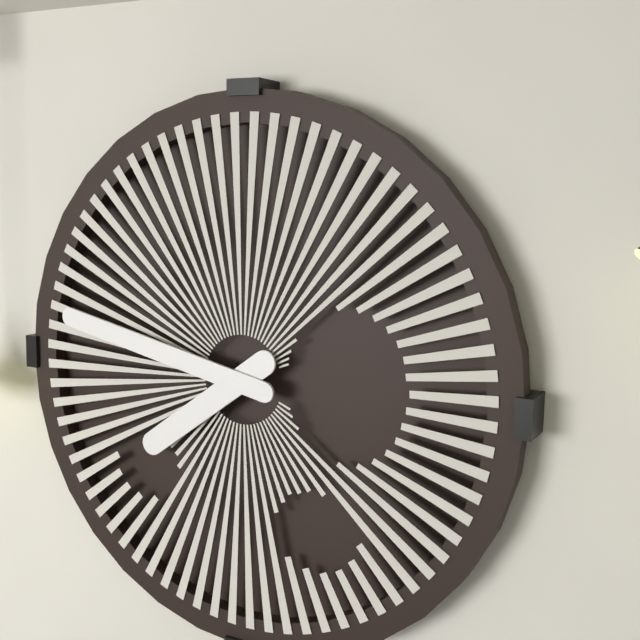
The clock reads **7:47**
